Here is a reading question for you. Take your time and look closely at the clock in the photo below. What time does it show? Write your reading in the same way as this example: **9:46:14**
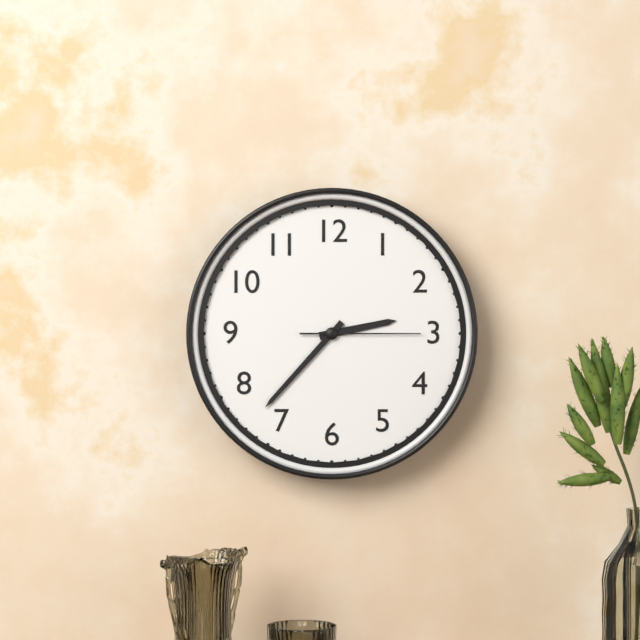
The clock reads **2:37:15**
